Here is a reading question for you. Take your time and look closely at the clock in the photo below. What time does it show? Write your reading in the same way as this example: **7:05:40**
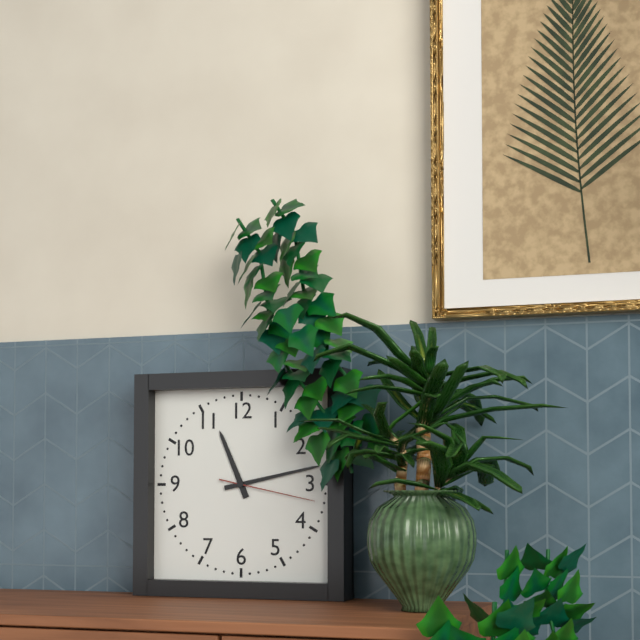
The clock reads **11:13:17**
